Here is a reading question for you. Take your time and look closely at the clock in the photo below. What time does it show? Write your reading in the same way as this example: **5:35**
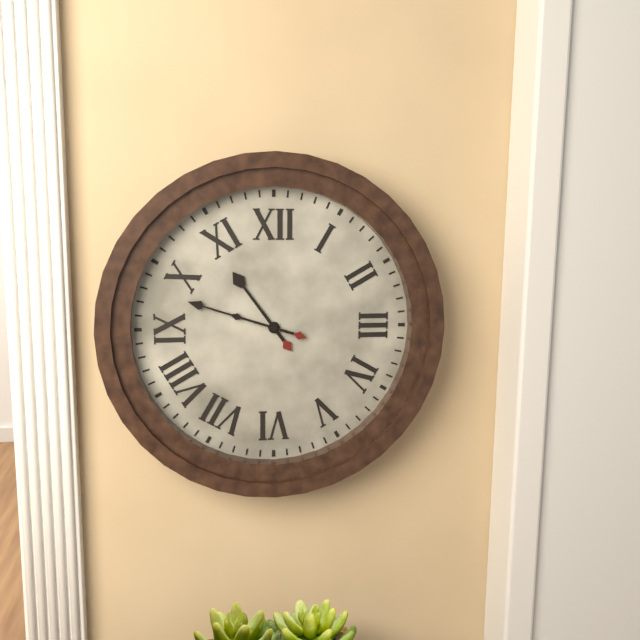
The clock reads **10:48**
